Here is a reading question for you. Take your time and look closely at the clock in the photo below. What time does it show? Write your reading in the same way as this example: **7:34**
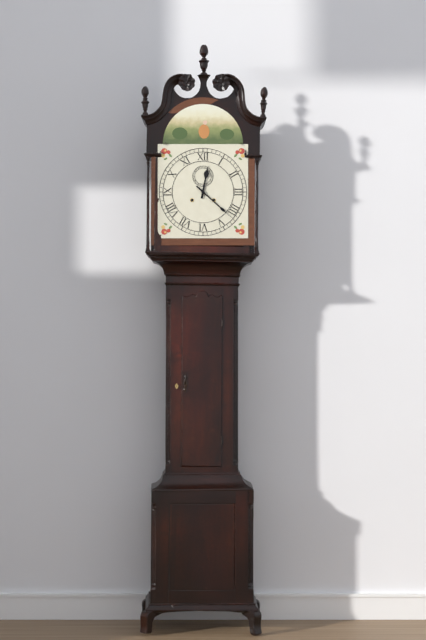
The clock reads **12:22**
